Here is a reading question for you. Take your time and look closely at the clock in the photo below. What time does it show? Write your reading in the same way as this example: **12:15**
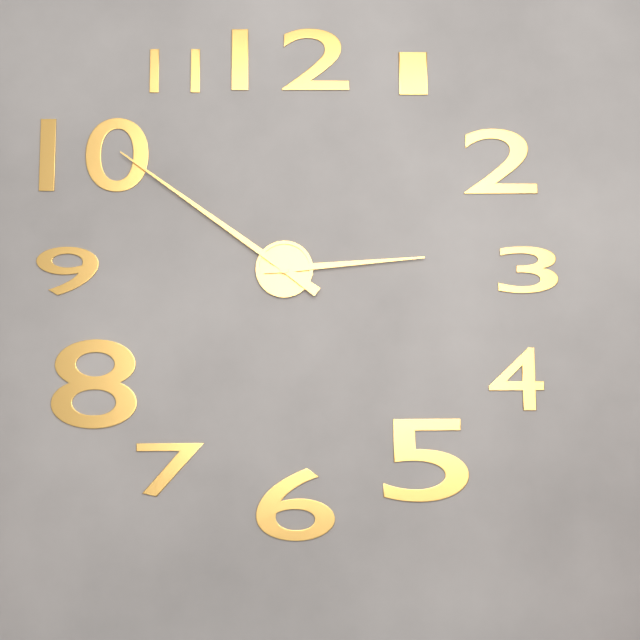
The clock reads **2:51**
